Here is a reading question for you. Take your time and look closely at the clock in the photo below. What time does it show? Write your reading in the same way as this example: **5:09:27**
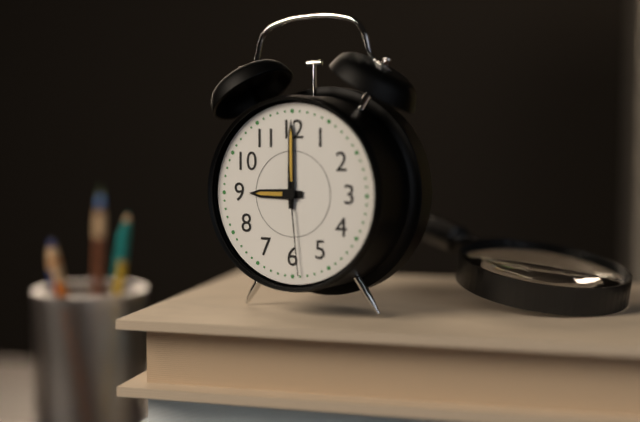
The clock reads **9:00:29**
